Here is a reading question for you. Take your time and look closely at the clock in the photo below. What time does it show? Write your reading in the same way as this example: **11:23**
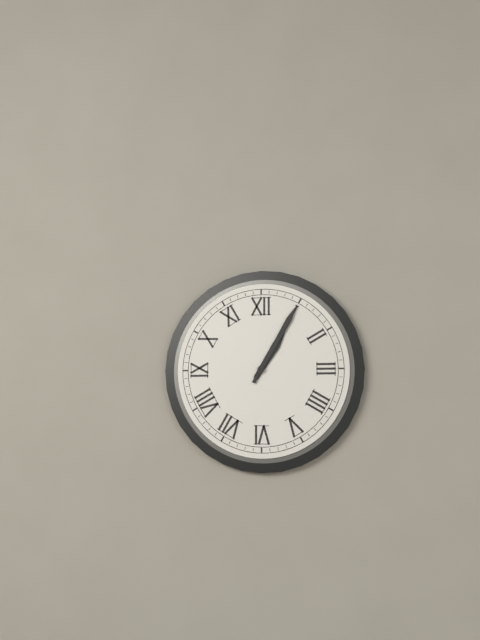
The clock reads **1:05**
